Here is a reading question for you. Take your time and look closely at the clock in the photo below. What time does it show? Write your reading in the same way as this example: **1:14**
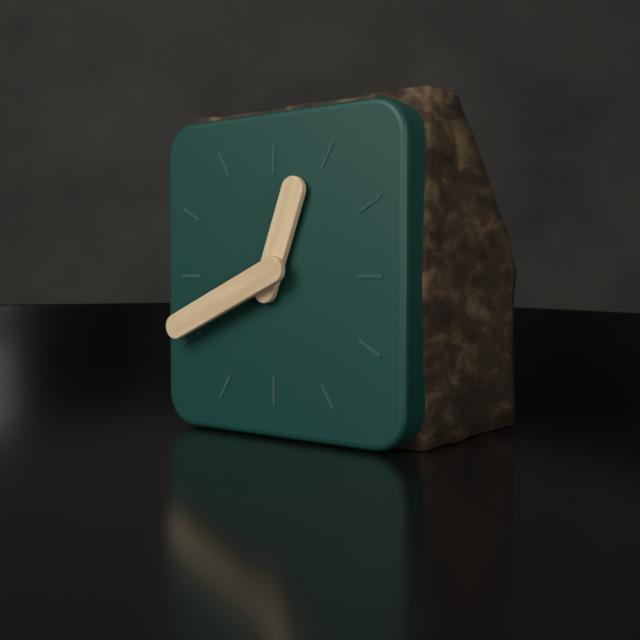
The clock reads **12:41**
